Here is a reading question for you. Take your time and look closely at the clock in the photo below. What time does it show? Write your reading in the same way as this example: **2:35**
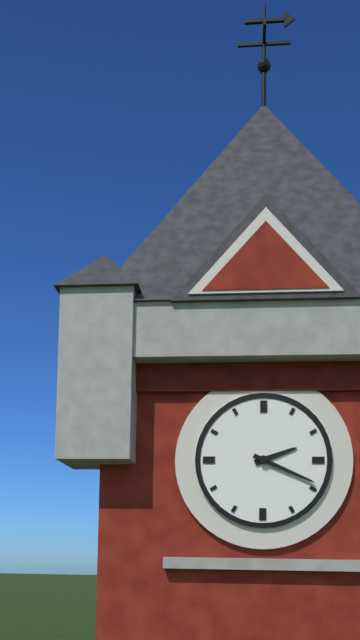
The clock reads **2:19**
